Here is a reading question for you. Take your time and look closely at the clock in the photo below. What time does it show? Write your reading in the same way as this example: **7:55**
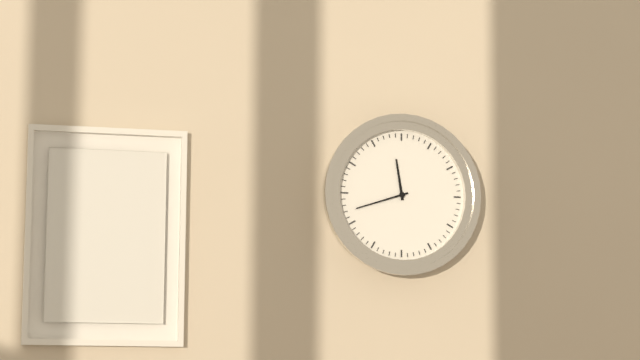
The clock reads **11:42**
